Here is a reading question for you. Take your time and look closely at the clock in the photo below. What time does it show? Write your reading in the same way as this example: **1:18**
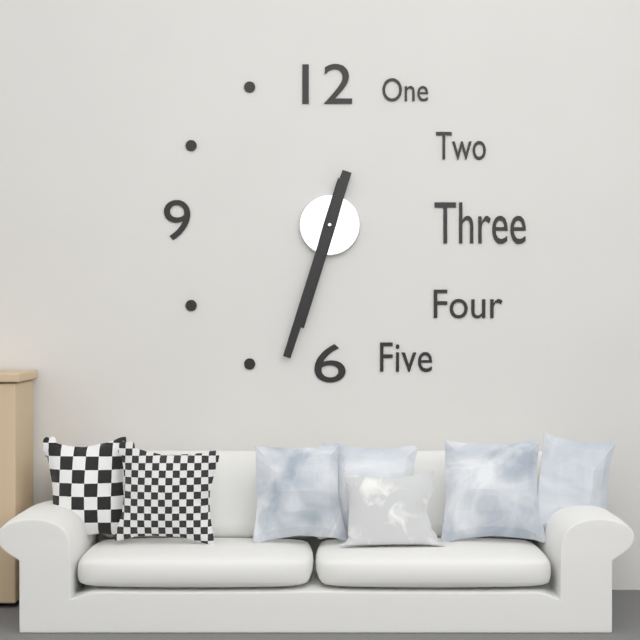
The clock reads **6:33**
